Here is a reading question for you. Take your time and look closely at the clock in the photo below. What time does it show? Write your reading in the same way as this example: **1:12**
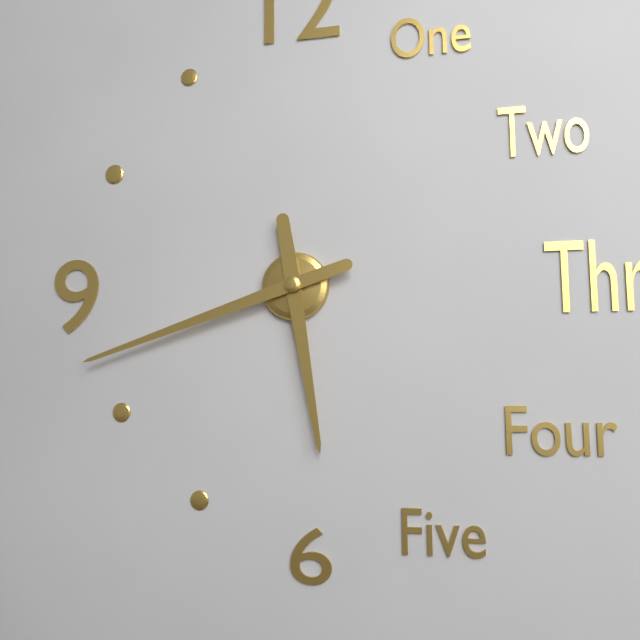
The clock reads **5:42**
